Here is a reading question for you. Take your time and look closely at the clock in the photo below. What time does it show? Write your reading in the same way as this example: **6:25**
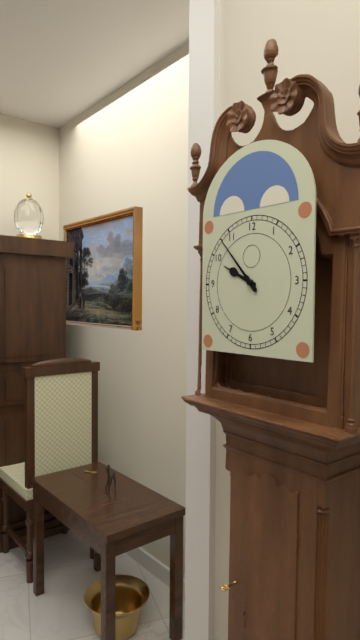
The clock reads **9:53**
